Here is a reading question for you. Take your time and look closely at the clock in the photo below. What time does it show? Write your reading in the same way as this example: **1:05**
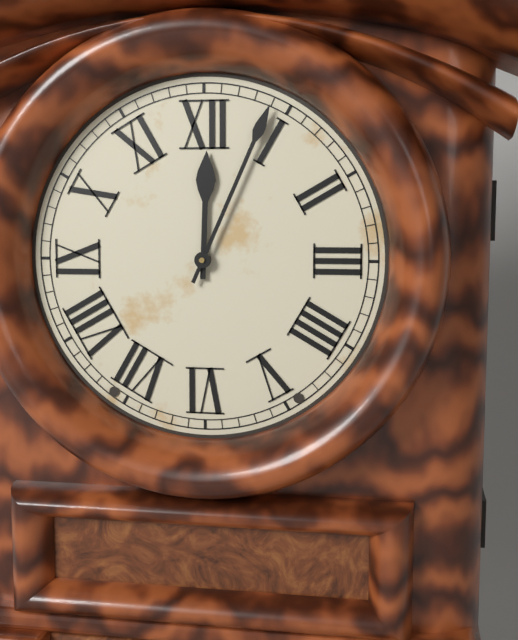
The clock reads **12:04**
